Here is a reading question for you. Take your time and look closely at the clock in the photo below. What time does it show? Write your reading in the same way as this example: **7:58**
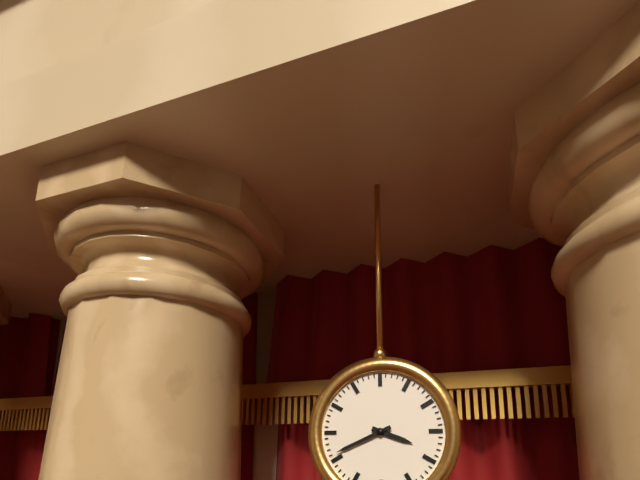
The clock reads **3:41**
